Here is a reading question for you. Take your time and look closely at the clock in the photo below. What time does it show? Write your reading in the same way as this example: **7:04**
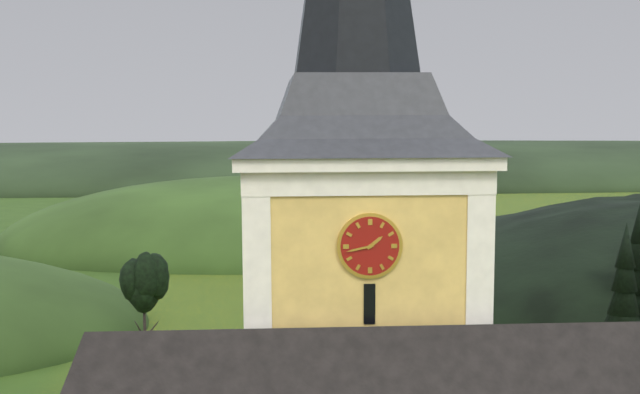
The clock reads **1:43**
